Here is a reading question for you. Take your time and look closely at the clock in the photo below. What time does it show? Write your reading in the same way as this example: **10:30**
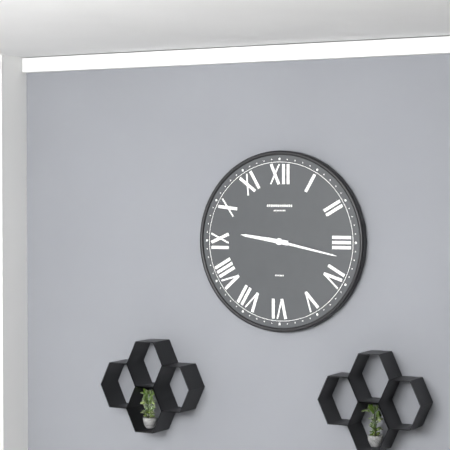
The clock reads **9:17**
